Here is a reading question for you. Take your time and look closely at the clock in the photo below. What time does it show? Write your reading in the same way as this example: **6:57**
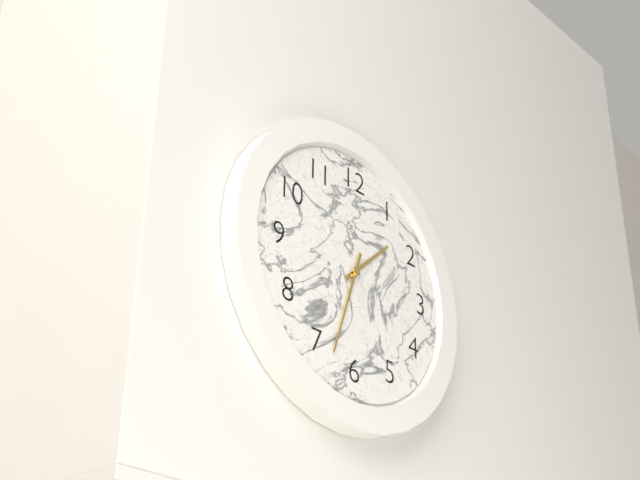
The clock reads **1:33**
